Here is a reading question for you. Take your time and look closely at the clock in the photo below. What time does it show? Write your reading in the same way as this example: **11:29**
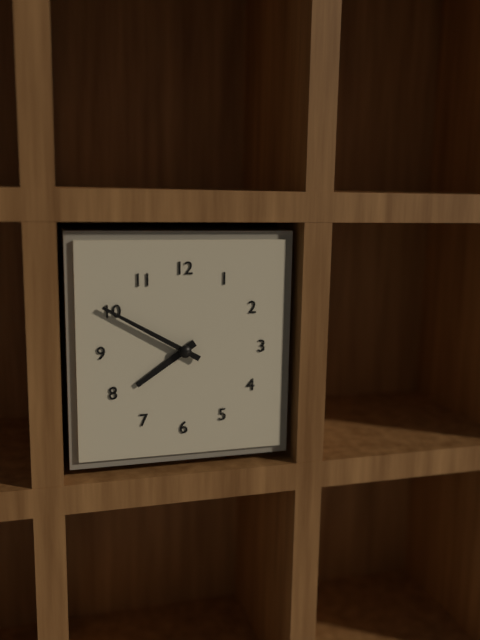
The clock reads **7:50**
